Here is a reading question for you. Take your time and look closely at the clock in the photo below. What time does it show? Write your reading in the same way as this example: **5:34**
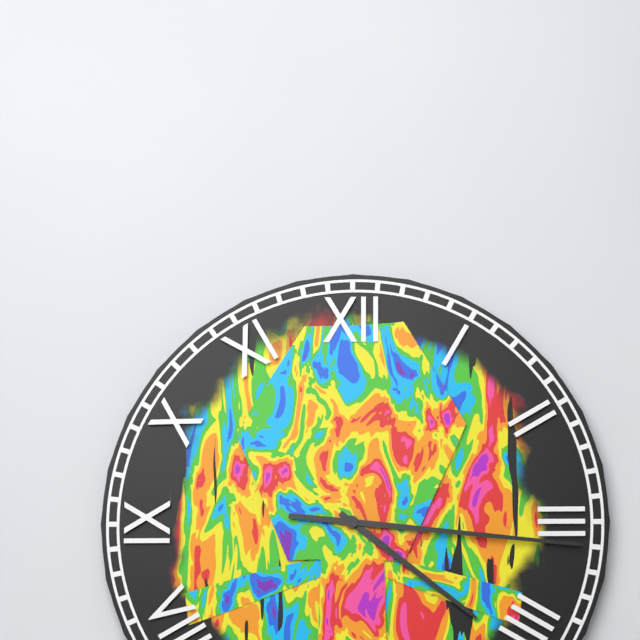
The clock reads **4:16**
